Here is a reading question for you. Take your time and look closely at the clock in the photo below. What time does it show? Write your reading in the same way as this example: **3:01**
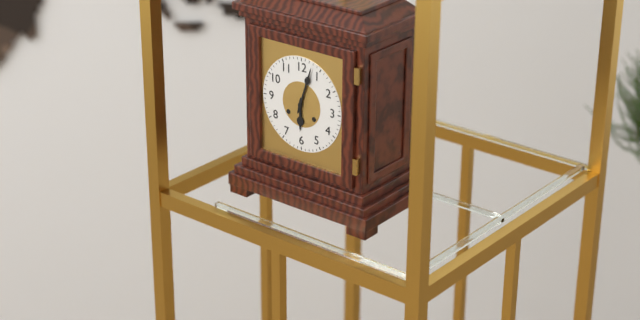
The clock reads **6:03**
